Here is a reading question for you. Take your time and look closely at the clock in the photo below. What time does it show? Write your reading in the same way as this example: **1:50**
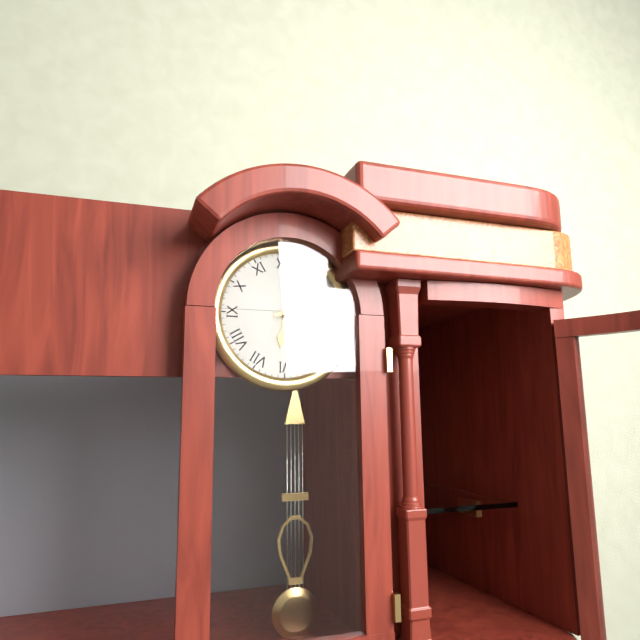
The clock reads **6:14**
